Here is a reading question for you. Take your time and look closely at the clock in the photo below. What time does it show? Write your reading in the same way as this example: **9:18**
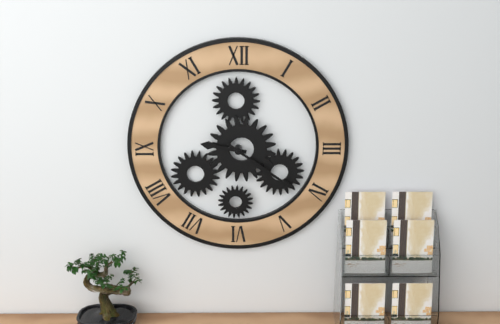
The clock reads **9:21**
